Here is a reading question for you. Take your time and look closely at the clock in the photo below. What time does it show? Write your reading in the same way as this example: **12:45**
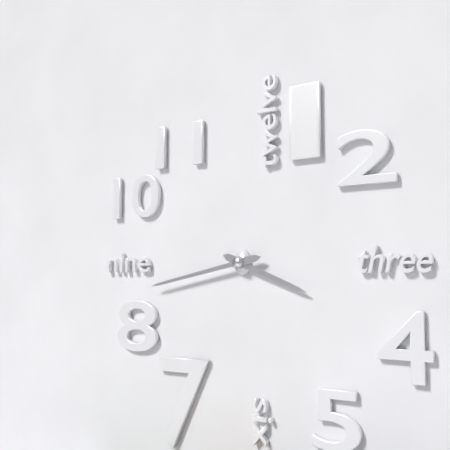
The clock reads **3:43**
